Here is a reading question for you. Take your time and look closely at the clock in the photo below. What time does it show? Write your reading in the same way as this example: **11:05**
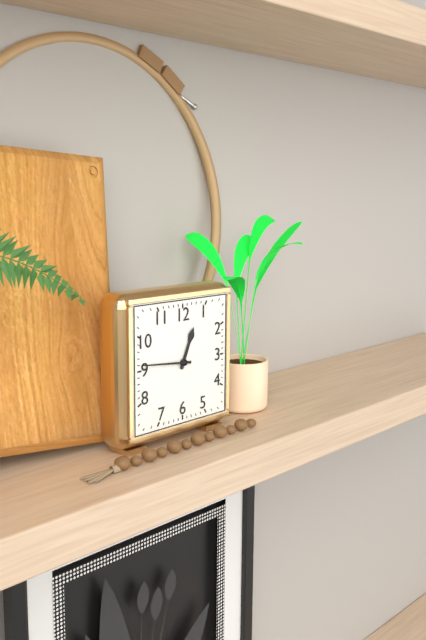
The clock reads **12:46**
